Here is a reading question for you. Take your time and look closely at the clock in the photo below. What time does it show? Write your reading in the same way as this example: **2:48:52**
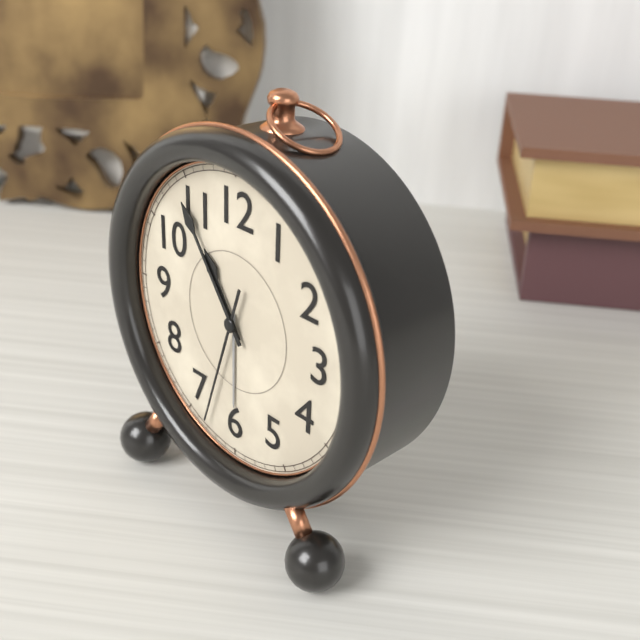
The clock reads **10:54:33**
